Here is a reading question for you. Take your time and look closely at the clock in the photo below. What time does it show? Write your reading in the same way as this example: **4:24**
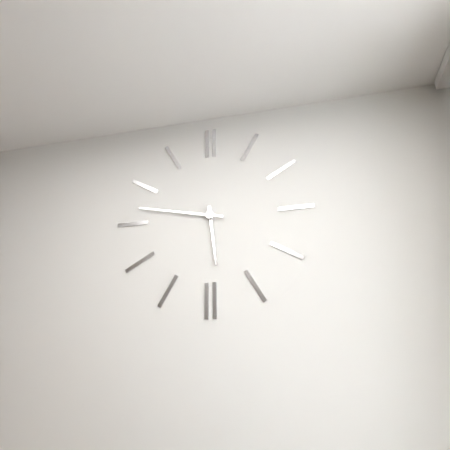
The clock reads **5:47**
